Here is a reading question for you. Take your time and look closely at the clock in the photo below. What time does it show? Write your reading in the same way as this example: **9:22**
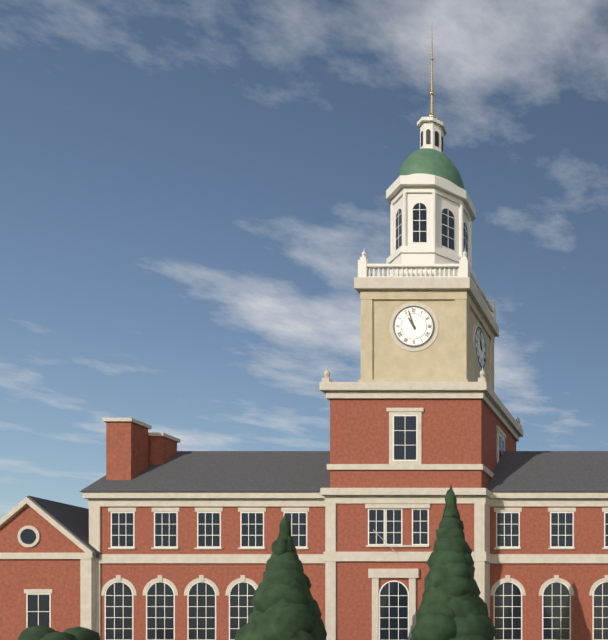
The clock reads **10:57**
